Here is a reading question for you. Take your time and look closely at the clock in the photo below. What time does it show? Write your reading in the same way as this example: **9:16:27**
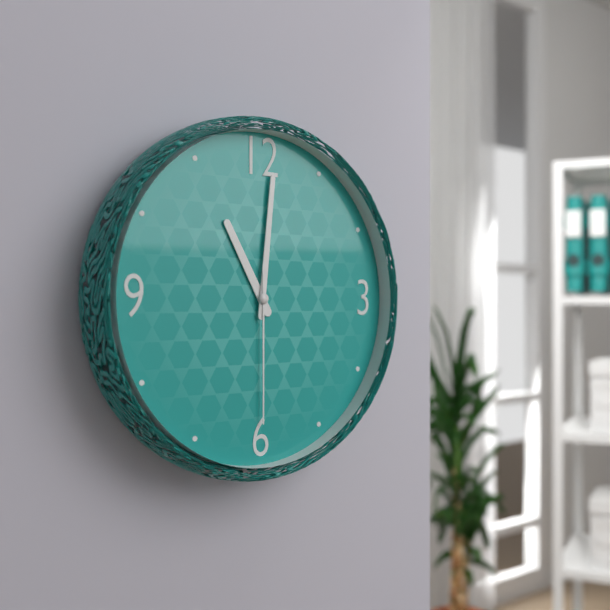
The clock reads **11:01:30**
